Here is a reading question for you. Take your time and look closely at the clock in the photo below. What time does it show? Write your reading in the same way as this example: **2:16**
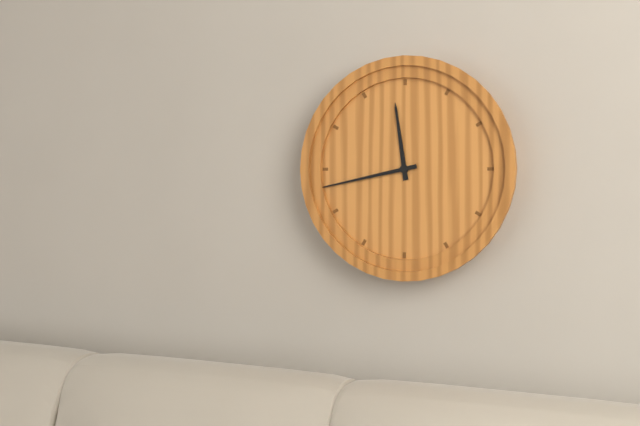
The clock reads **11:43**
